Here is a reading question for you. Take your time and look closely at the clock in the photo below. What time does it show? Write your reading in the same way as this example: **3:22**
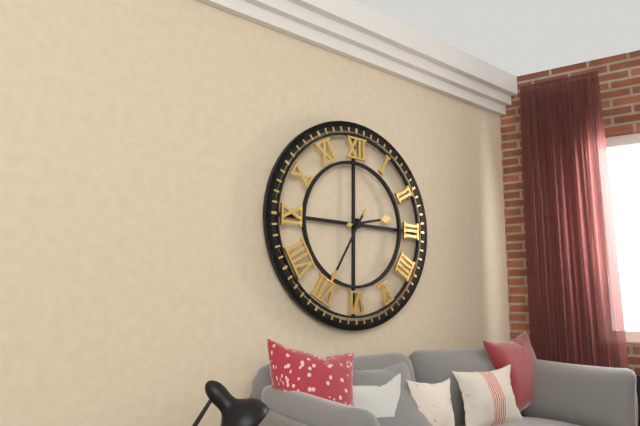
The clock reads **2:35**
